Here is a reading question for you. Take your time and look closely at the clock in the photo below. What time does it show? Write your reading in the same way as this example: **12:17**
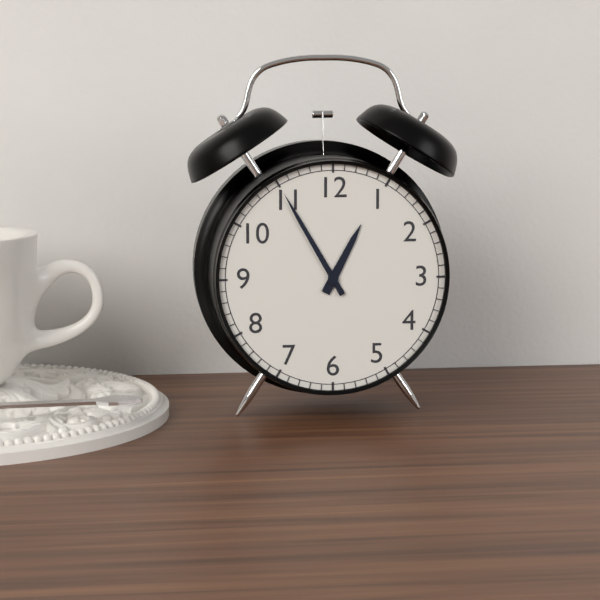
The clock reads **12:55**
